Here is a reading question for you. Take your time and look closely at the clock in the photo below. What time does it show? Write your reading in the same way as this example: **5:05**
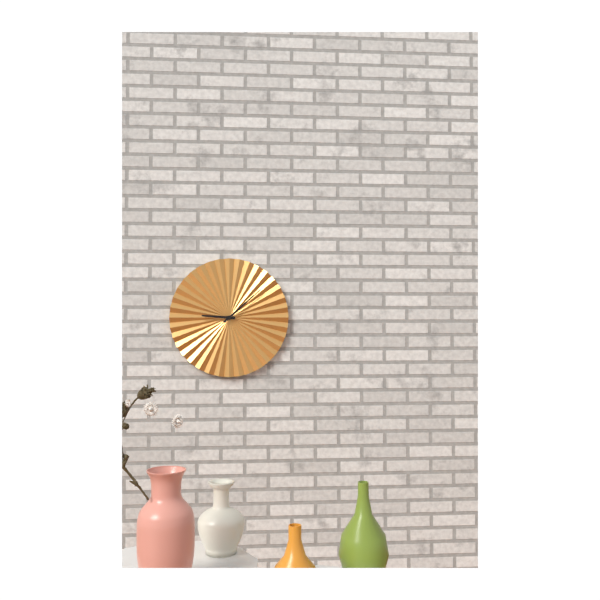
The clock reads **9:08**
